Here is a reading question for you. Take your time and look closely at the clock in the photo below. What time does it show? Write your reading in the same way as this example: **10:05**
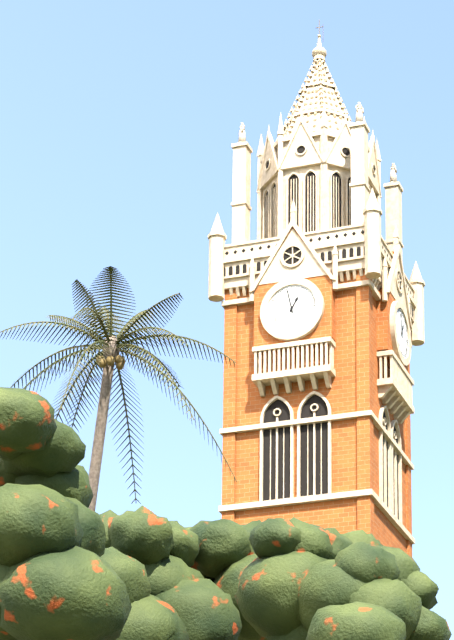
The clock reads **12:58**
